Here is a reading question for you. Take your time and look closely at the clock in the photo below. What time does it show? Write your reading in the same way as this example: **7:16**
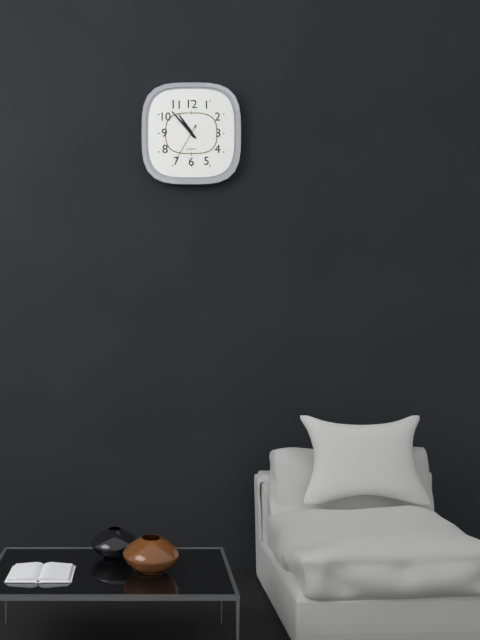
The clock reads **10:53**
